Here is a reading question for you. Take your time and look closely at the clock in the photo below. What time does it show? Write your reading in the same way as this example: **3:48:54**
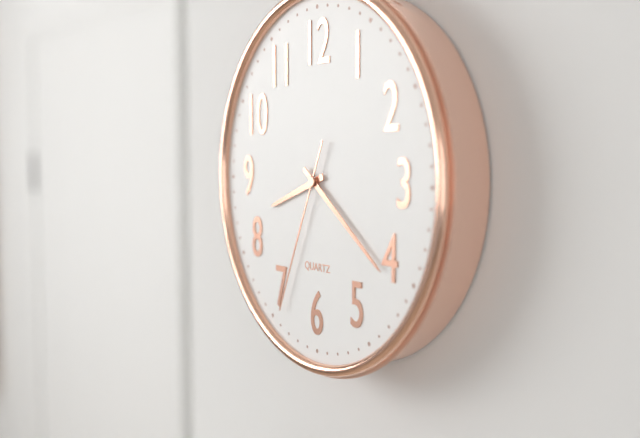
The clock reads **8:21:34**
